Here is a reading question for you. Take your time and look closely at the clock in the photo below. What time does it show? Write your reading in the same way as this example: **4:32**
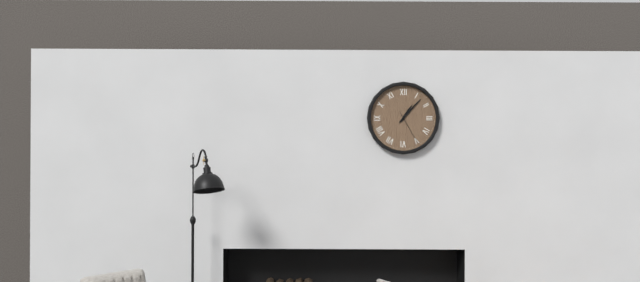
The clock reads **1:07**
